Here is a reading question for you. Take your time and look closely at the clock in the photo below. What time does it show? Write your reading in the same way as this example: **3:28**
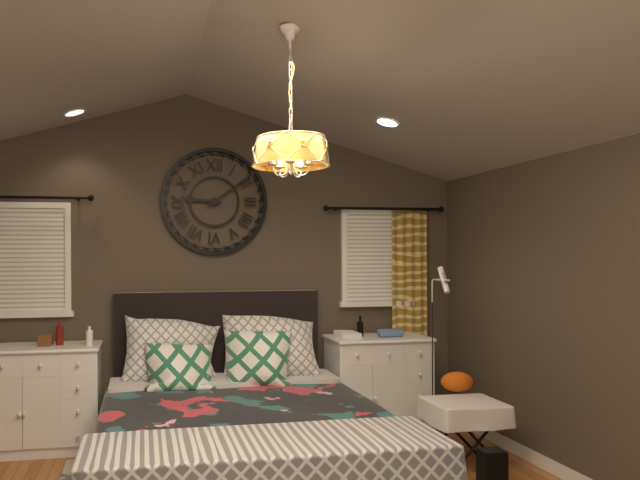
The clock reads **9:09**
